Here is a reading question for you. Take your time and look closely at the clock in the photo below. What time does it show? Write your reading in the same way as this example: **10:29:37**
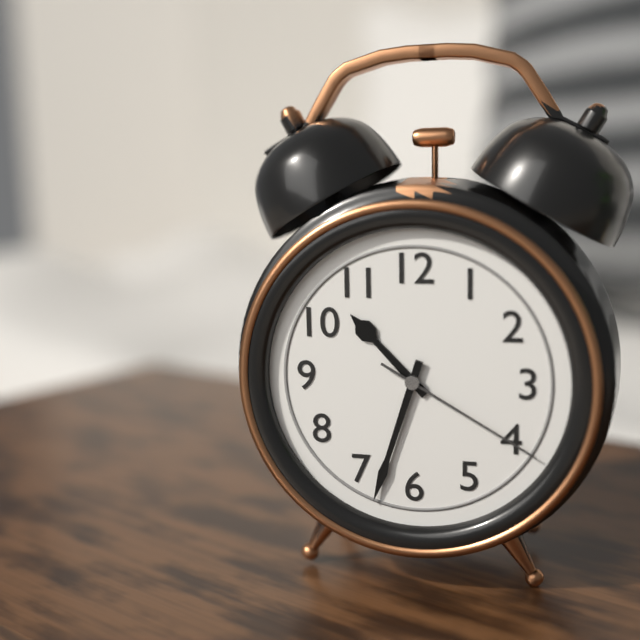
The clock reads **10:33:20**
